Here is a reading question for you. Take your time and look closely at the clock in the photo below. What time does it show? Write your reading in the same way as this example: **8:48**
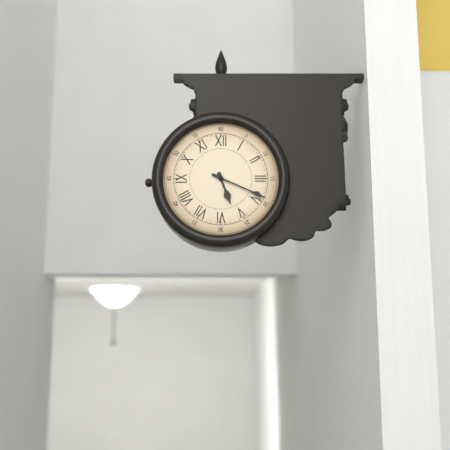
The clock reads **5:19**
